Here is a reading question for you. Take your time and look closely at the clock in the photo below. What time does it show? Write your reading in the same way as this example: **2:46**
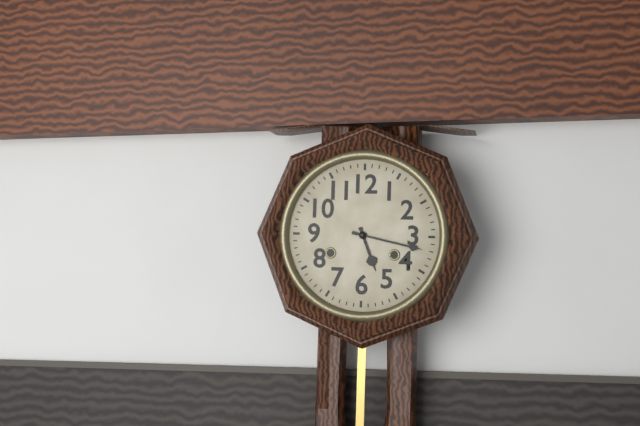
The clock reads **5:17**
